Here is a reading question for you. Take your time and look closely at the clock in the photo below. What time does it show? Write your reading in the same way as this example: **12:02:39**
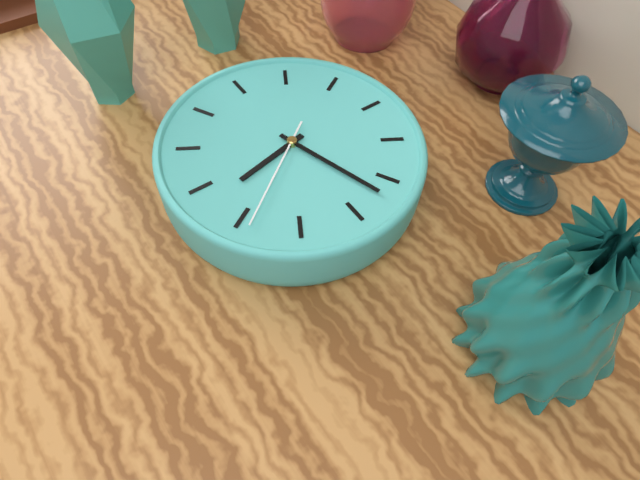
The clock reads **10:37:49**
